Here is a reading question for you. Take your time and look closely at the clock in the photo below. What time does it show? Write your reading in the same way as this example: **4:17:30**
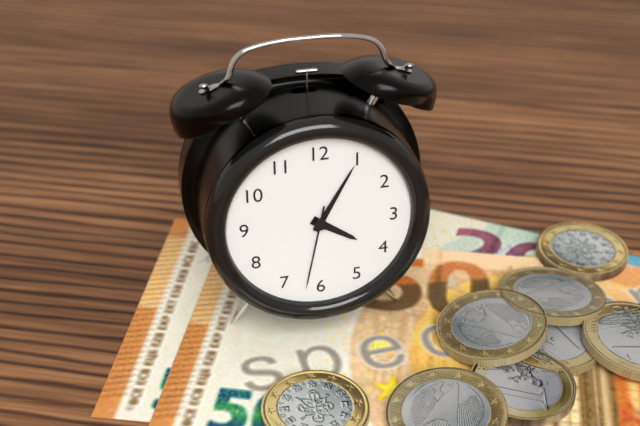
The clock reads **4:05:32**
